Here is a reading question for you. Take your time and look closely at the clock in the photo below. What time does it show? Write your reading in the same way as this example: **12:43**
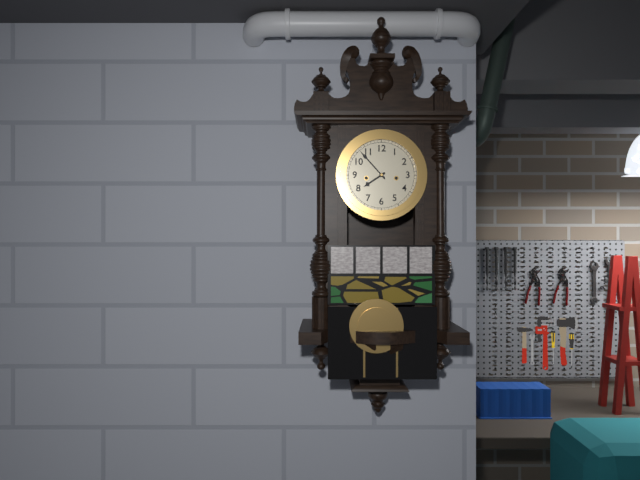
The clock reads **7:53**
